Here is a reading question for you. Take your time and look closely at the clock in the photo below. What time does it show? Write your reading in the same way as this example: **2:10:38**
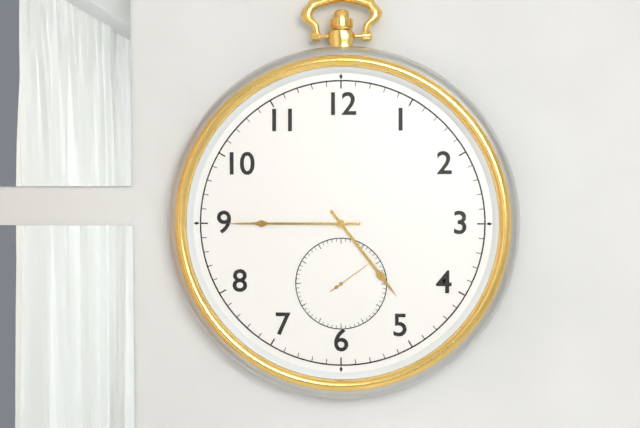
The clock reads **4:45:09**
